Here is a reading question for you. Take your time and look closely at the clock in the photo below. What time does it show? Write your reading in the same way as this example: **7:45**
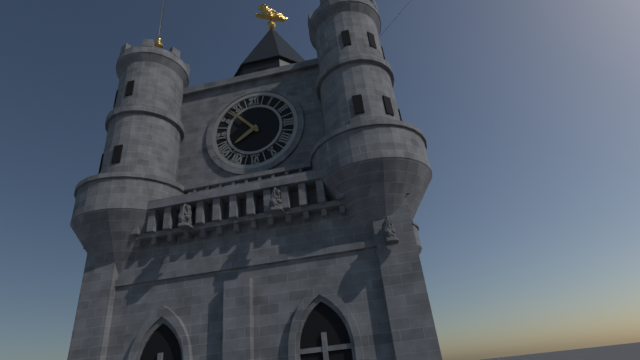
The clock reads **7:53**
